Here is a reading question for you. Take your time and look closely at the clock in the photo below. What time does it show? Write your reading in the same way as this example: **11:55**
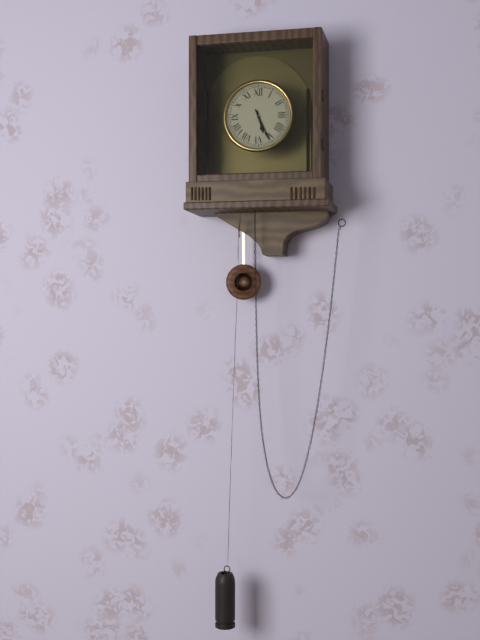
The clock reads **5:26**
